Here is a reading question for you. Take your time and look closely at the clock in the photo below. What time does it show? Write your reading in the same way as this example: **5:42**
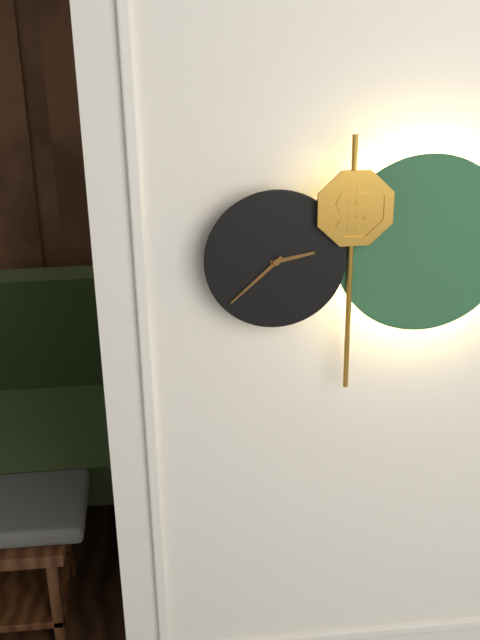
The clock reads **2:38**
